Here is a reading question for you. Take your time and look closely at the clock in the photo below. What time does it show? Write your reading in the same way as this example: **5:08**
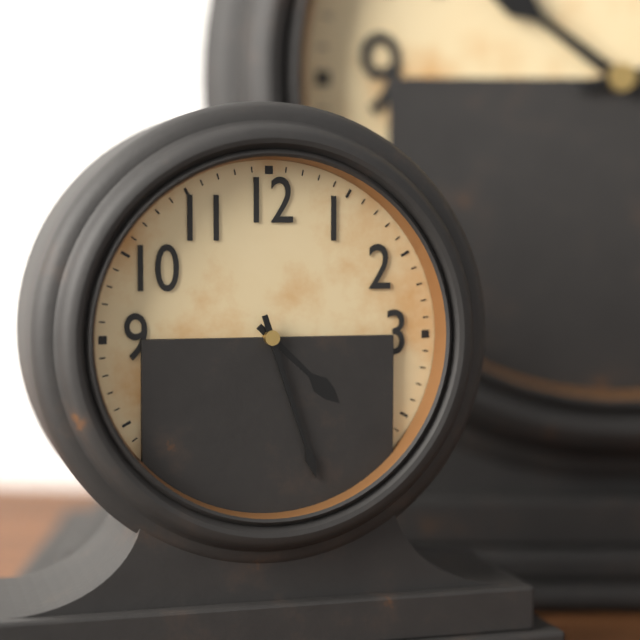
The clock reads **4:27**
